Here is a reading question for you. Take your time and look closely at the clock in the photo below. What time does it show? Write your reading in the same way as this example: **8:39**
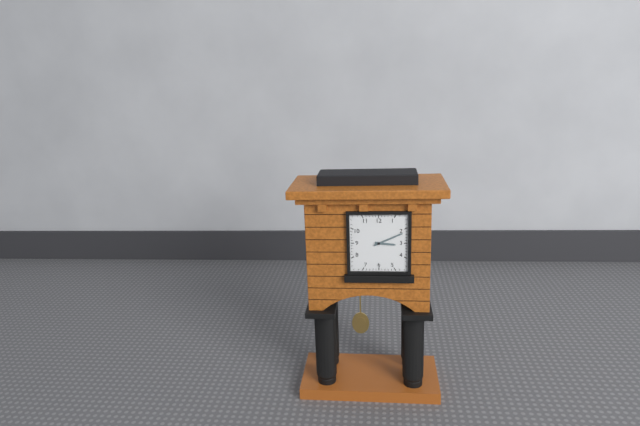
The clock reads **3:11**
